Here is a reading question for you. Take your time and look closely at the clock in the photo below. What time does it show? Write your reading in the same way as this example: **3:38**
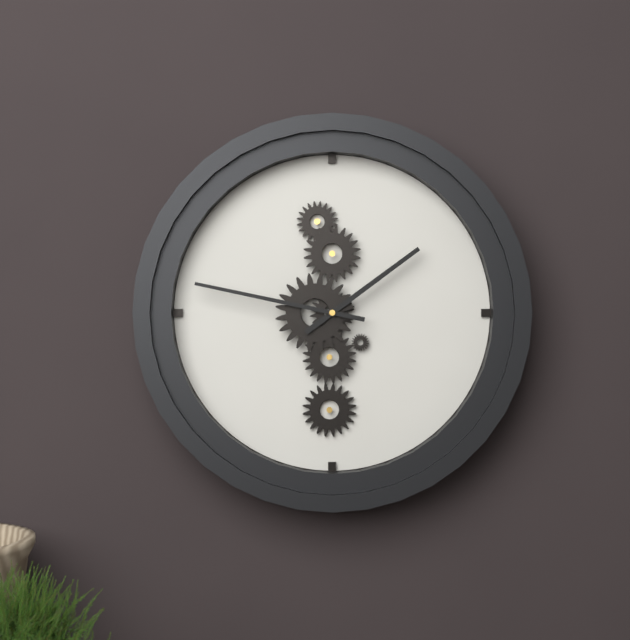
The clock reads **1:47**
